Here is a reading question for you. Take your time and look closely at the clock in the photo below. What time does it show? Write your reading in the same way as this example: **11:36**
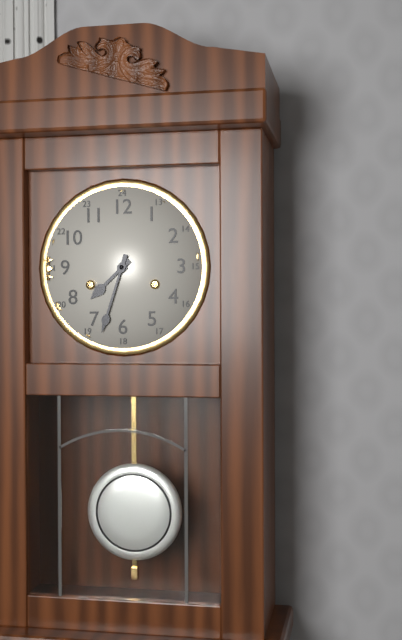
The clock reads **7:33**
